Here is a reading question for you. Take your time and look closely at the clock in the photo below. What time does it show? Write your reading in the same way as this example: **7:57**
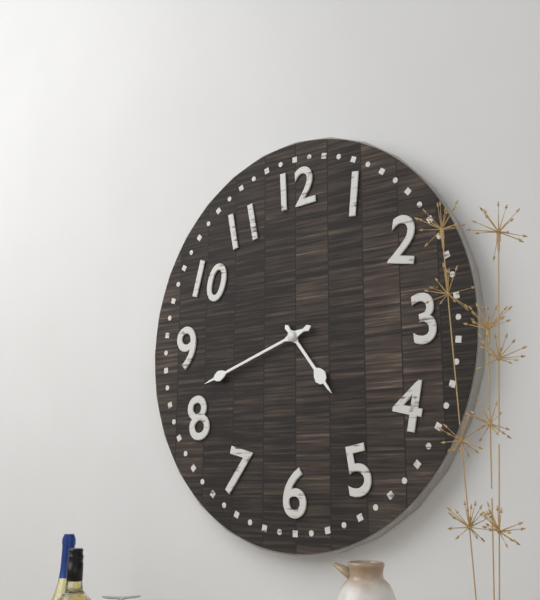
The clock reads **4:42**
